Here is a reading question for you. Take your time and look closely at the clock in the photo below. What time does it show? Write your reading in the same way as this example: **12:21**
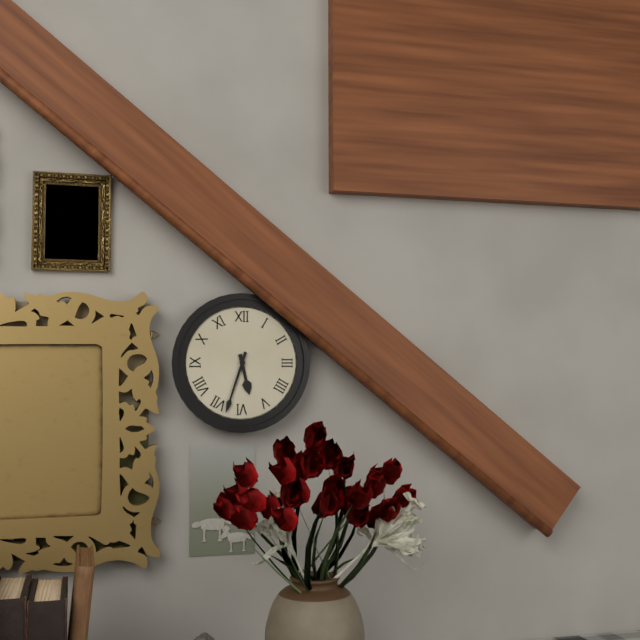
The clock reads **5:33**
